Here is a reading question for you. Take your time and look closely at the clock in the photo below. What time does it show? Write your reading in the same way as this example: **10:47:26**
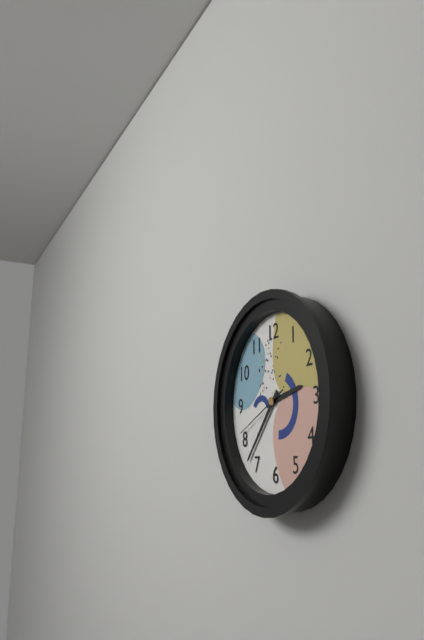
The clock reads **2:37:41**
